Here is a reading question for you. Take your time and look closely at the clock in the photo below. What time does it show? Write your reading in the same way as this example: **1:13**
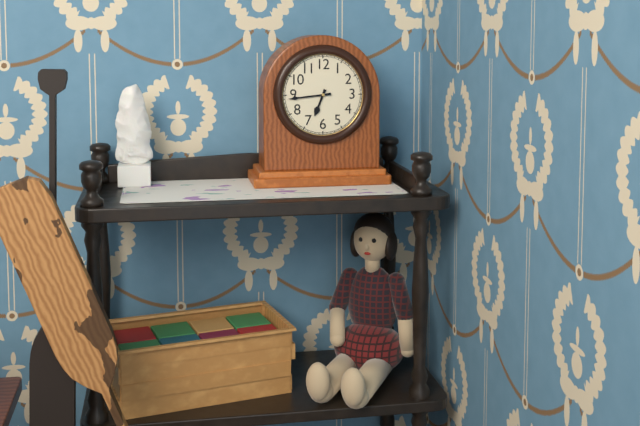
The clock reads **6:44**
